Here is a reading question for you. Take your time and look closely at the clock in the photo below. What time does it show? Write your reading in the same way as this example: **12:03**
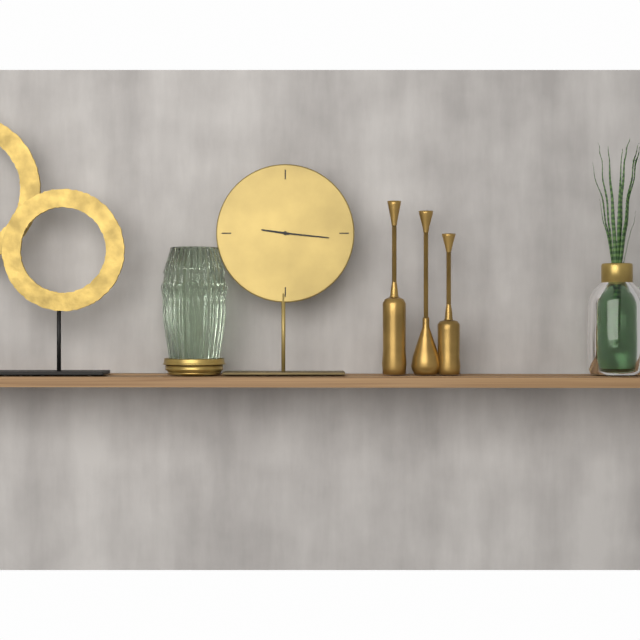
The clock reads **9:16**
